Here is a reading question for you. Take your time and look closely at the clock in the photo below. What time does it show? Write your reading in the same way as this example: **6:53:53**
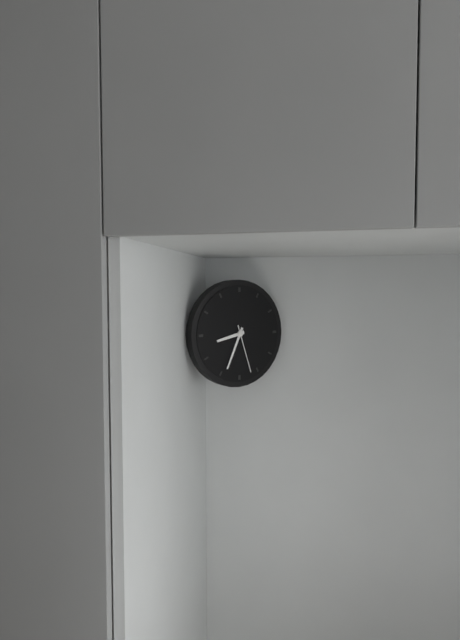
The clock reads **8:34:27**
